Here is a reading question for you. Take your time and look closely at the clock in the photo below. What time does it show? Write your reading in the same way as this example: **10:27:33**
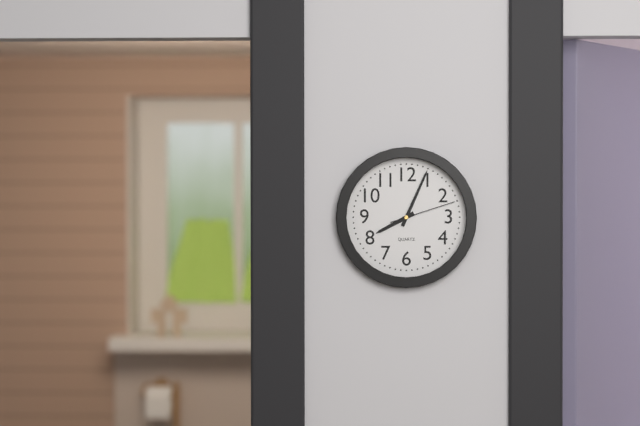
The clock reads **8:04:12**
